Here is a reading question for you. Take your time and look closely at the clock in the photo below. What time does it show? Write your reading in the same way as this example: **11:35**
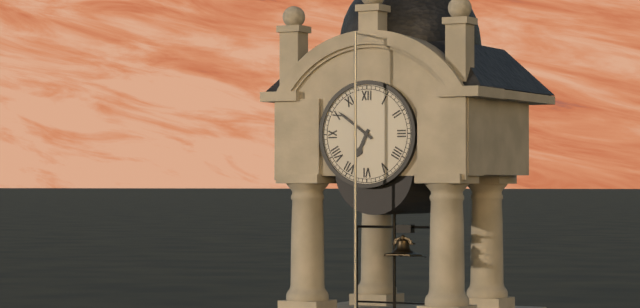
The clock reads **6:51**
